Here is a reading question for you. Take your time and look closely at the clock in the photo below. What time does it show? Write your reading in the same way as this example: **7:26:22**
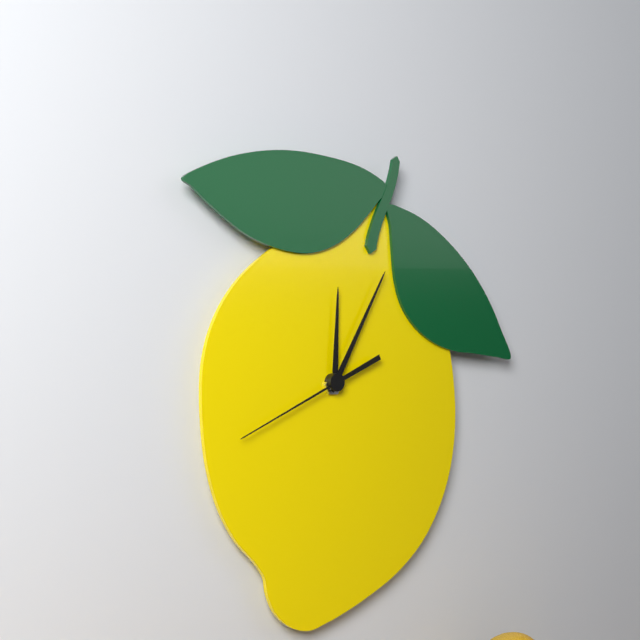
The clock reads **12:05:41**
